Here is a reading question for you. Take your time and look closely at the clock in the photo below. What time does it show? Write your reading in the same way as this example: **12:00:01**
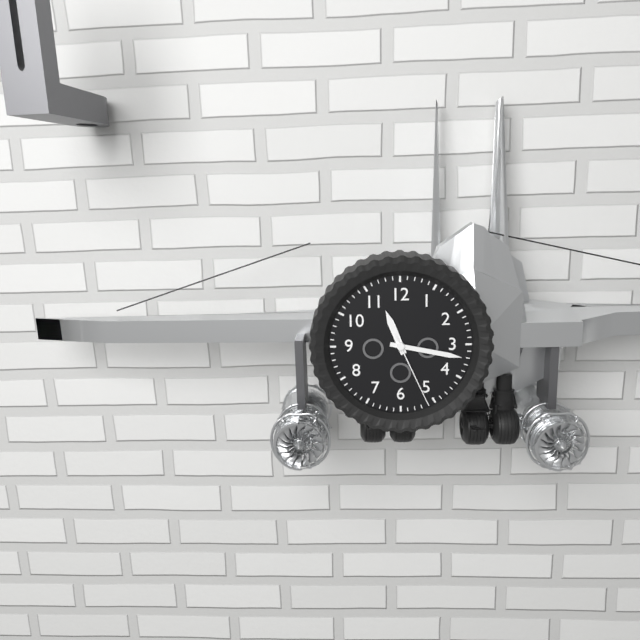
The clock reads **11:17:26**
